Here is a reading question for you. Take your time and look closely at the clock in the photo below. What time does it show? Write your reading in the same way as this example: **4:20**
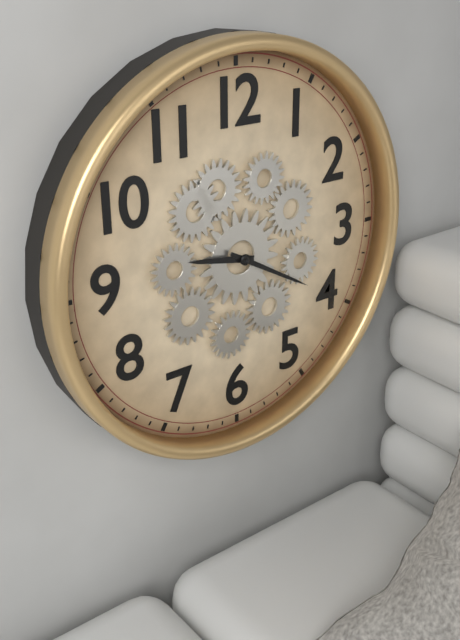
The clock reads **9:20**
